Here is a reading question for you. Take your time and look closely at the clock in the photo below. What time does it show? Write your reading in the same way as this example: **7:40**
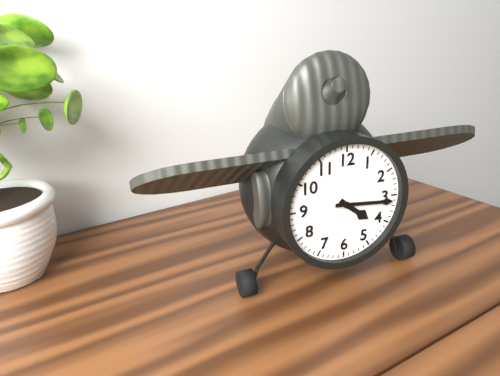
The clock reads **4:16**
